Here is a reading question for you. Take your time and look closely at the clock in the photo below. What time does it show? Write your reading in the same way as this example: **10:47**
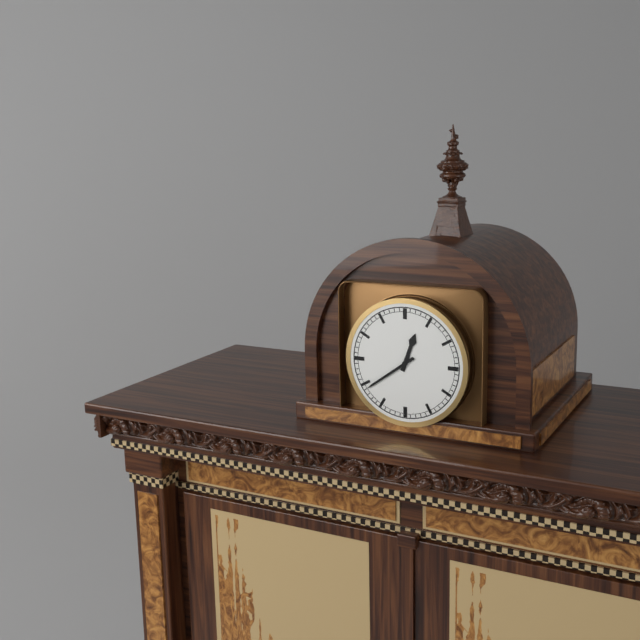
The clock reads **12:39**
